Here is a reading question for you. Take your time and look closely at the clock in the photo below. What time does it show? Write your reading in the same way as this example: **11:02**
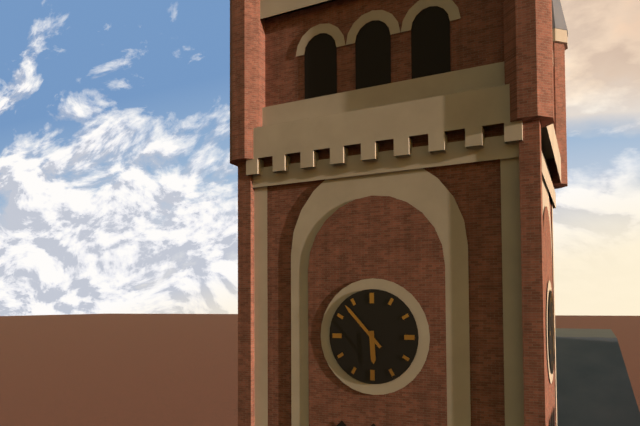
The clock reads **5:53**
